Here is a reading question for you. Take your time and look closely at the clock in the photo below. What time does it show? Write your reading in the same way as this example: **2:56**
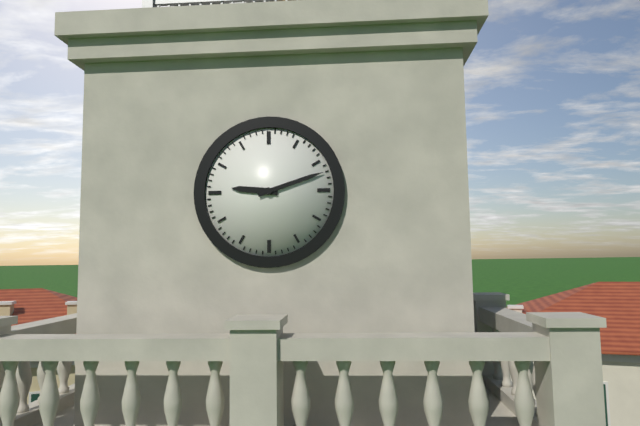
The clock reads **9:12**
